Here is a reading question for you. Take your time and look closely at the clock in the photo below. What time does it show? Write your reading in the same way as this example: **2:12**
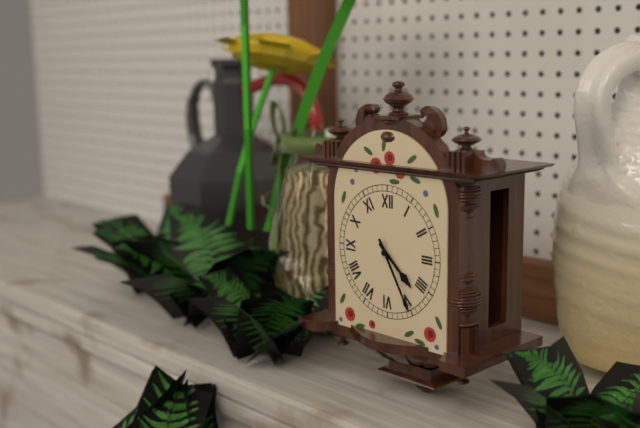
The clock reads **4:25**
